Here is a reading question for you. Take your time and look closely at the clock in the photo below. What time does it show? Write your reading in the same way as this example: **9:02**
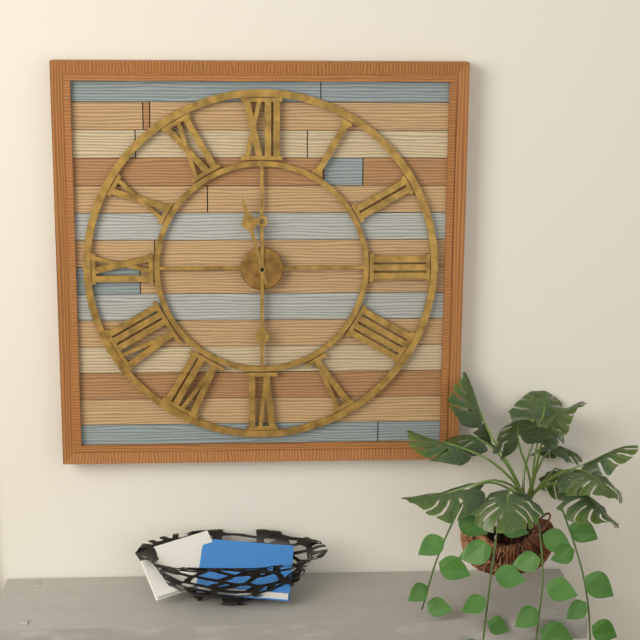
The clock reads **11:30**
